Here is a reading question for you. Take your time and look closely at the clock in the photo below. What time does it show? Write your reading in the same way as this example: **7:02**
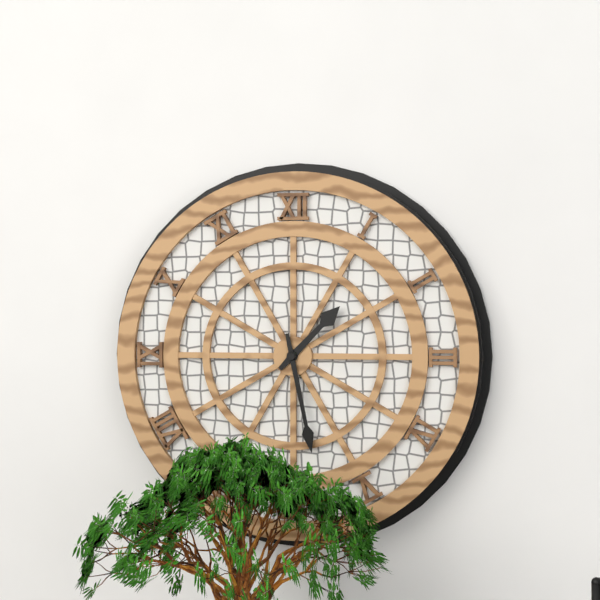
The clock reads **1:28**
